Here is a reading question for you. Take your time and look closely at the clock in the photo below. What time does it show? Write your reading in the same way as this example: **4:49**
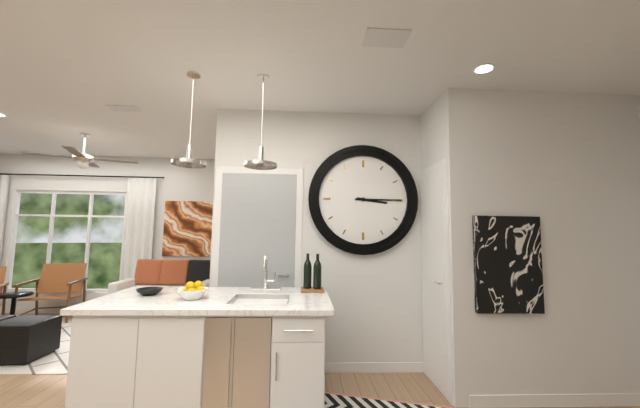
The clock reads **3:15**
